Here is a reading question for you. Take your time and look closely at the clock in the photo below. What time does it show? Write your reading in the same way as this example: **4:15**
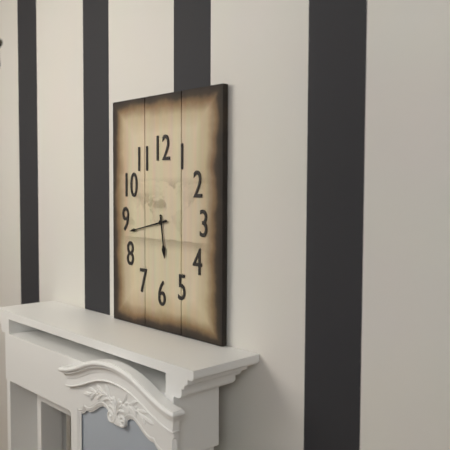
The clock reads **5:43**
